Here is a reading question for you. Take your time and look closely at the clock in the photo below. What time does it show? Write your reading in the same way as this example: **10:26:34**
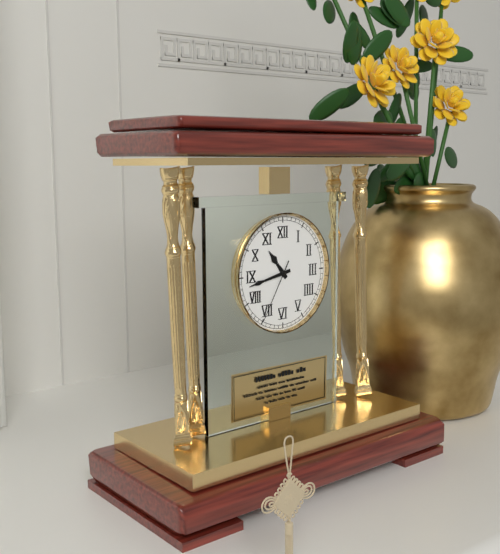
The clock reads **10:43:35**
